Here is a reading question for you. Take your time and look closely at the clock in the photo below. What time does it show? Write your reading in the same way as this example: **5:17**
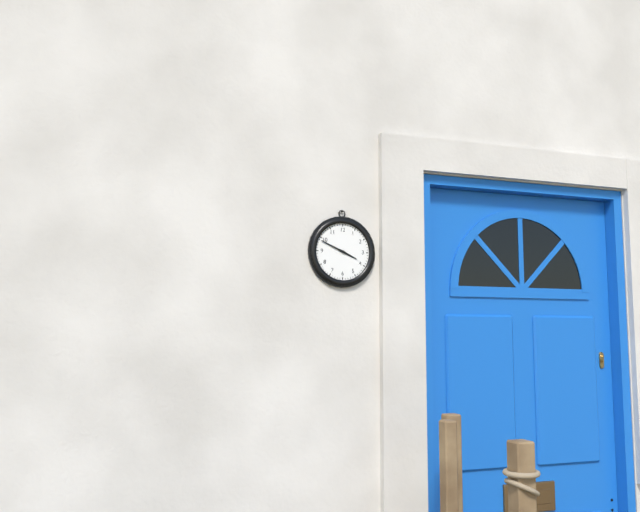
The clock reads **3:49**
